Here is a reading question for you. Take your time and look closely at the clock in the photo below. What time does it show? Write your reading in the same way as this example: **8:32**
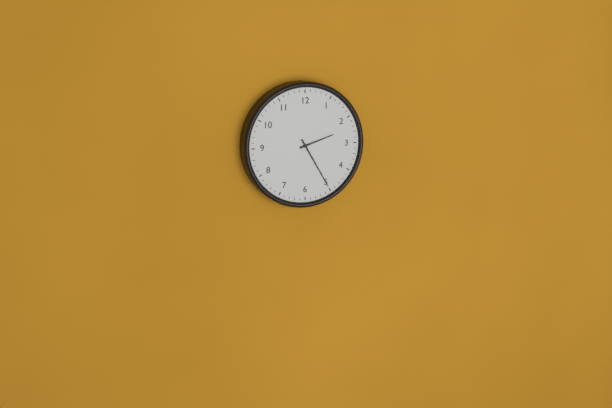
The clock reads **2:25**
